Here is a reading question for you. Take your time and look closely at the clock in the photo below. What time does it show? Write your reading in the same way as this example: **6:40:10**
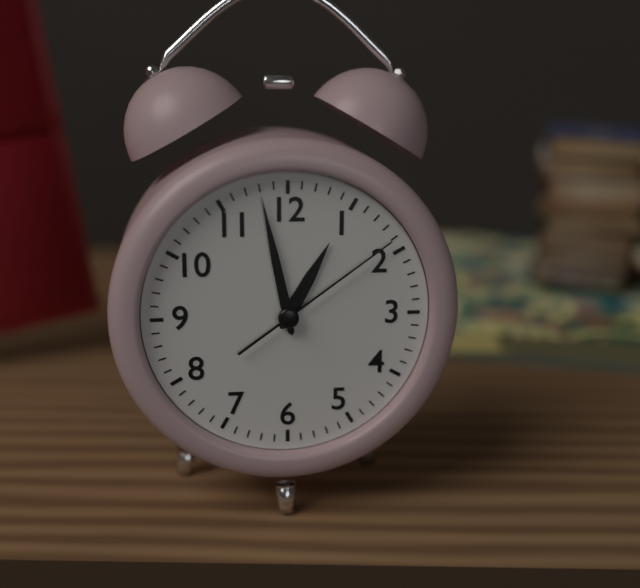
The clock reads **12:58:09**
